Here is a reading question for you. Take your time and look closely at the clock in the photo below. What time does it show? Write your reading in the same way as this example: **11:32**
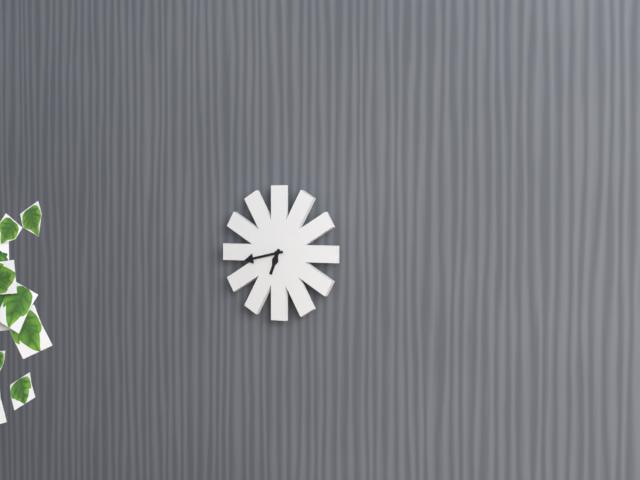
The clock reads **6:43**
